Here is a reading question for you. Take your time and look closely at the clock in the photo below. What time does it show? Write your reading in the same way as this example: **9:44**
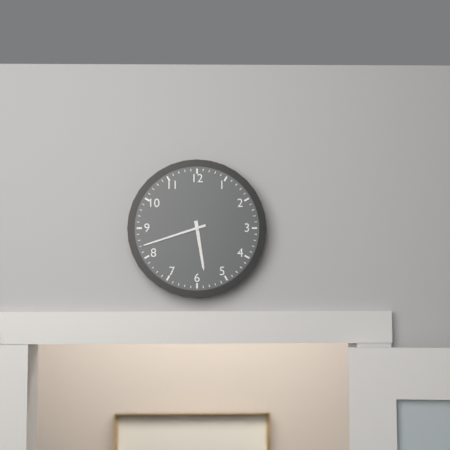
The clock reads **5:42**
